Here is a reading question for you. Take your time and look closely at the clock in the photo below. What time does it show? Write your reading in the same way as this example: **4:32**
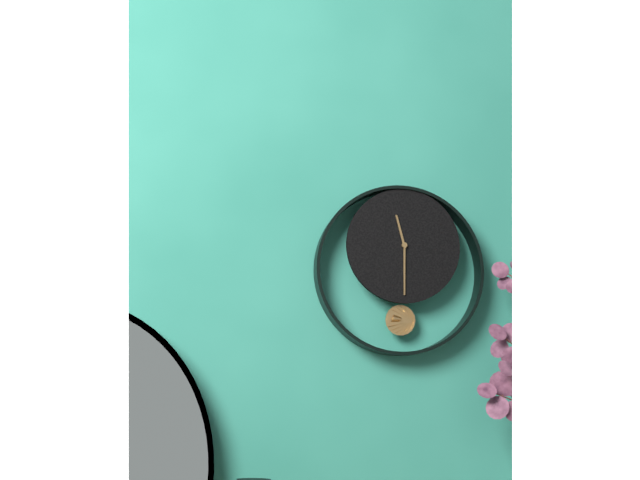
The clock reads **11:30**
